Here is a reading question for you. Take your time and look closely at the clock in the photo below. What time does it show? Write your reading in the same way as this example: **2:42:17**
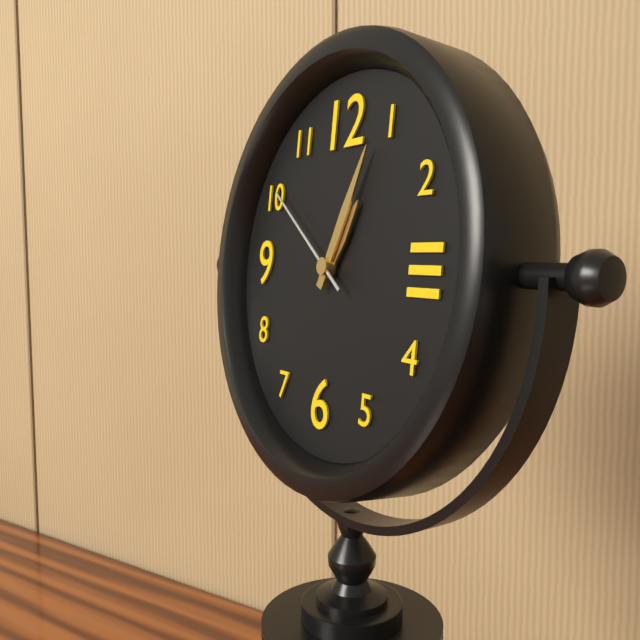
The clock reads **1:04:51**
